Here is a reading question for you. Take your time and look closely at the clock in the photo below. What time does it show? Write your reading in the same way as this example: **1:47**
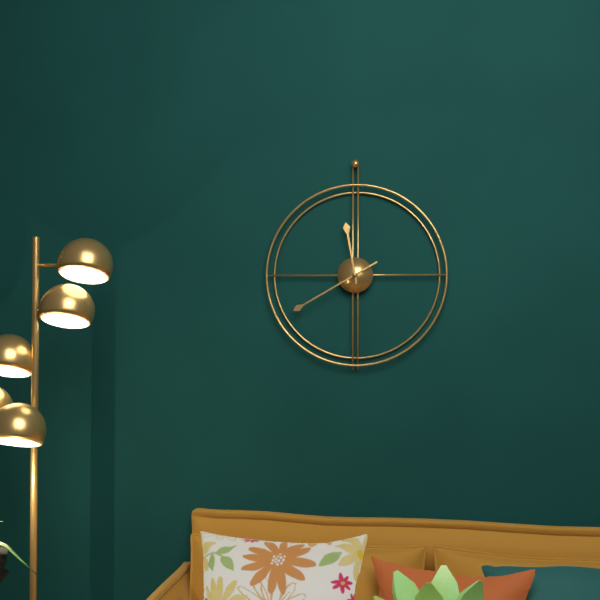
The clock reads **11:40**
